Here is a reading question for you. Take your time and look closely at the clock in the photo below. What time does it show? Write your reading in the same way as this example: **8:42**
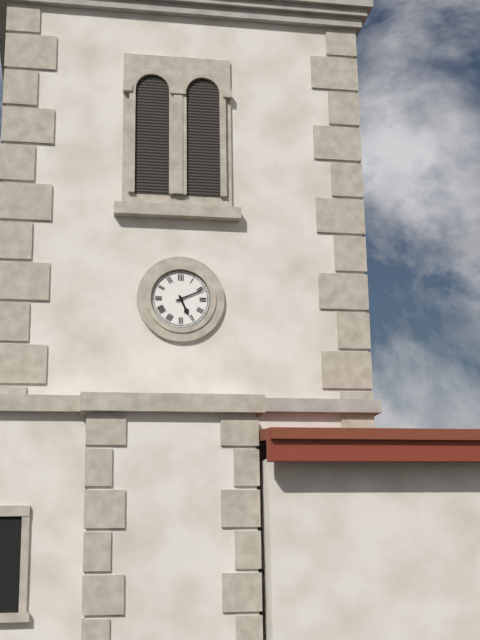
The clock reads **5:11**
